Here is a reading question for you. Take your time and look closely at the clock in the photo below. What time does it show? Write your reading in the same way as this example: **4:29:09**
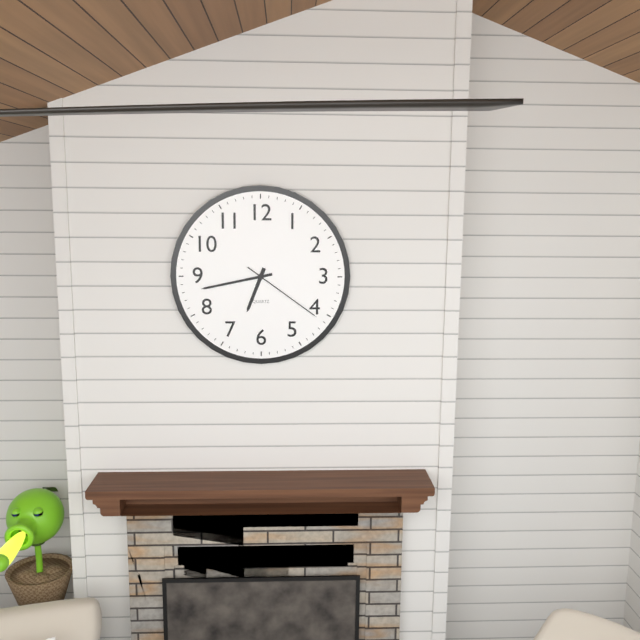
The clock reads **6:43:21**
